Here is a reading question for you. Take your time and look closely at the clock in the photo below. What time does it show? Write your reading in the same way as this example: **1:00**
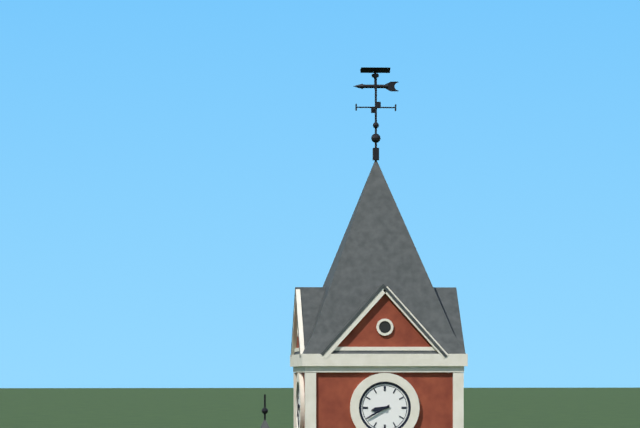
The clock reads **8:40**
